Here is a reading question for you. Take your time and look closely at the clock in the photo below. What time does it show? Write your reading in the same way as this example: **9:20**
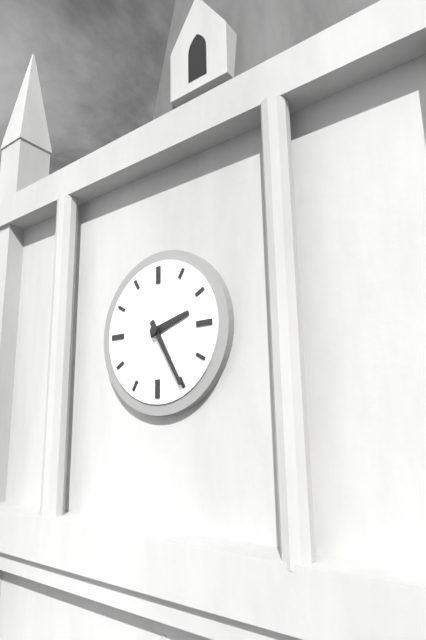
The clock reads **2:25**
